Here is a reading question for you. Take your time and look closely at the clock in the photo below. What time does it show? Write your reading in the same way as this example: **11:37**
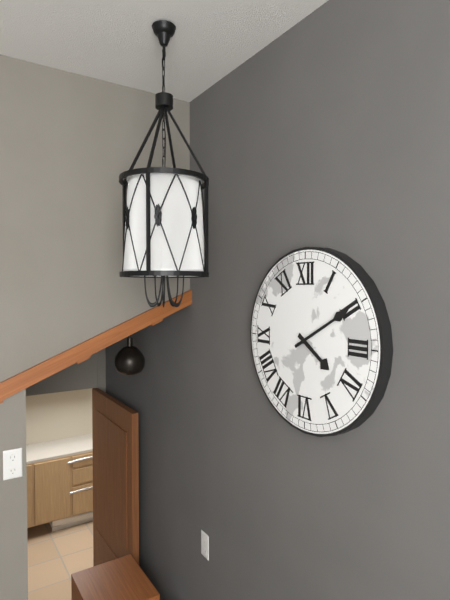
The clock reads **4:10**
